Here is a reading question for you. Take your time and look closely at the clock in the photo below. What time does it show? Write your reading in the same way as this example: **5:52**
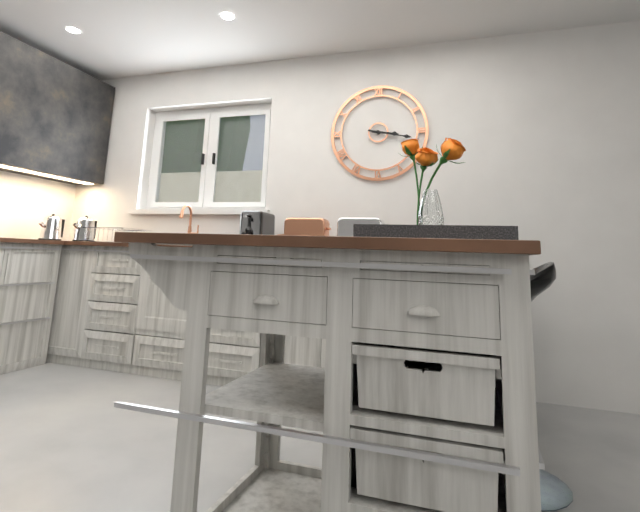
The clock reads **3:17**
